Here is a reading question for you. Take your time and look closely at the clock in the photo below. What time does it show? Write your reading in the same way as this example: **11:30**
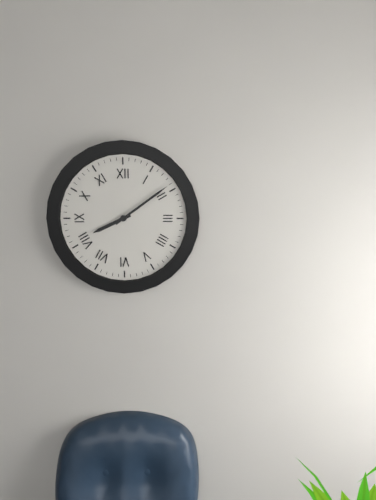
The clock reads **8:09**
